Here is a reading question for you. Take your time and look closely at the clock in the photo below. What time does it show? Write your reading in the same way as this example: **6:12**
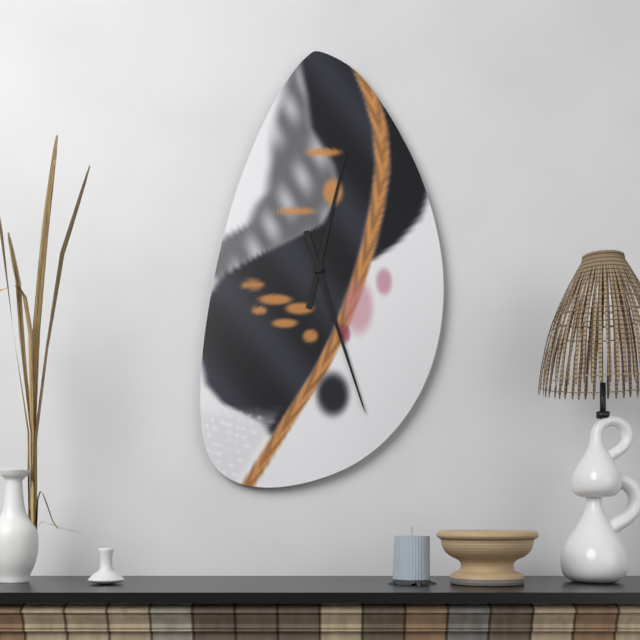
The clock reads **12:27**
